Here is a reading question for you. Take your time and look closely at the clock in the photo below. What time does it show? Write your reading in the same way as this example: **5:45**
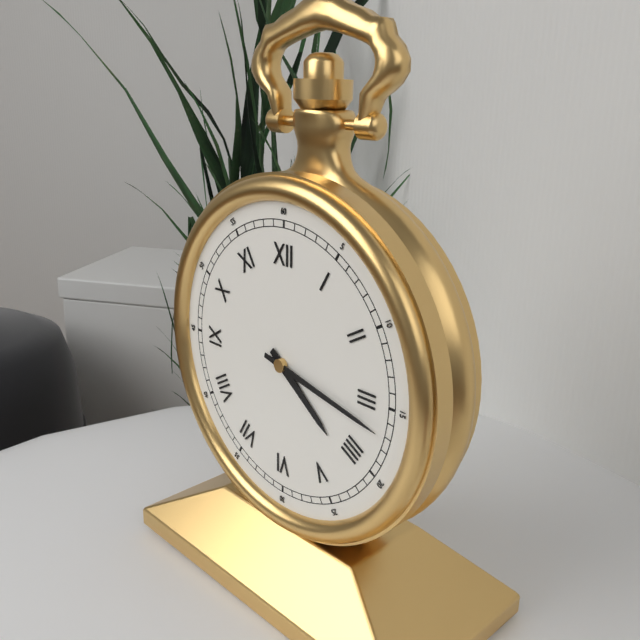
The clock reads **4:17**
